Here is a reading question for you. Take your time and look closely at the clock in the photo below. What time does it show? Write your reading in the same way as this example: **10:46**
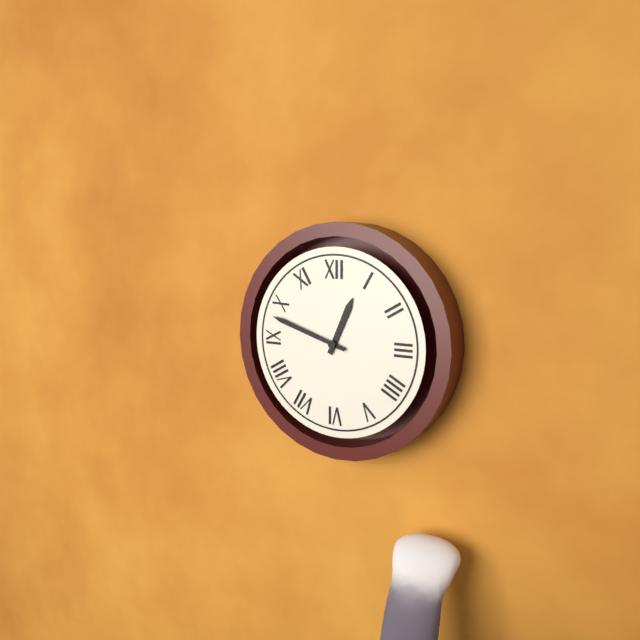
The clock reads **12:48**
